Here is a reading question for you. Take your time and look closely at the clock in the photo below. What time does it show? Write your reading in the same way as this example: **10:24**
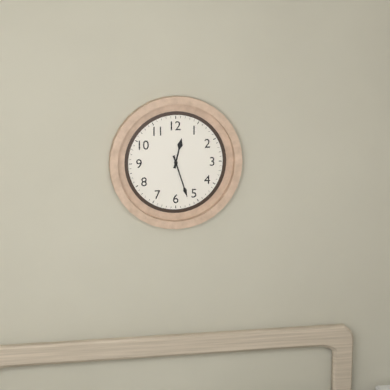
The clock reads **12:27**
